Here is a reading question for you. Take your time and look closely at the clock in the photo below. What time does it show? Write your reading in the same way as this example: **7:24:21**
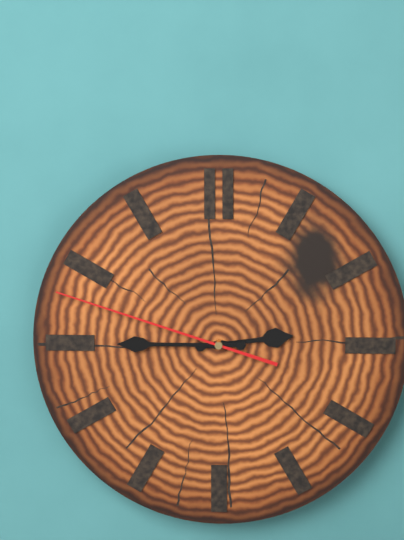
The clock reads **2:45:48**
